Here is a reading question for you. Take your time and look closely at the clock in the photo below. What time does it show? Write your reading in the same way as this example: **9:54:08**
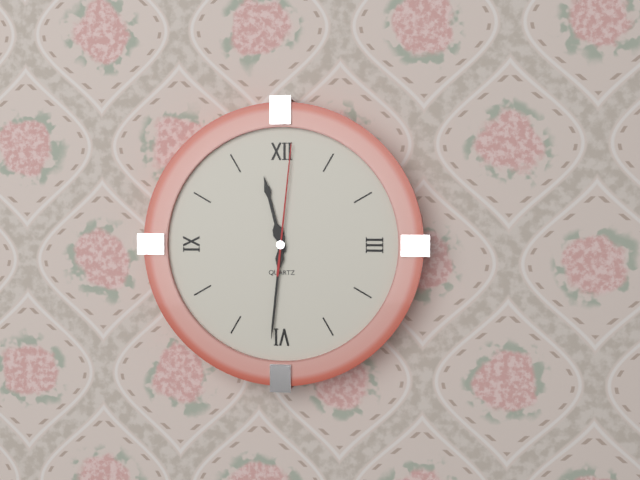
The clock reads **11:31:01**
